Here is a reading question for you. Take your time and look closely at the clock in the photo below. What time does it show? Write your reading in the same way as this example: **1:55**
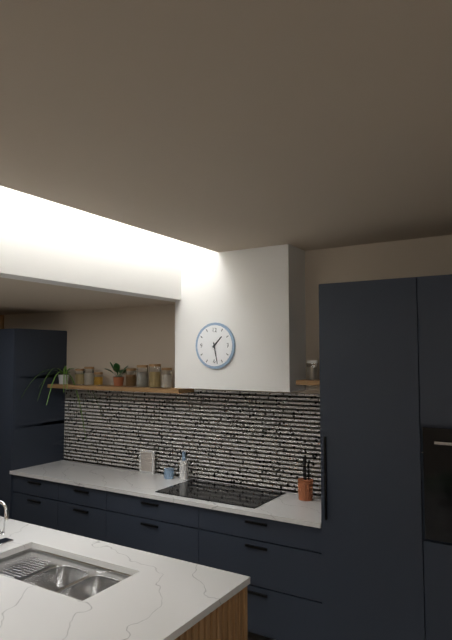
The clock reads **1:28**
